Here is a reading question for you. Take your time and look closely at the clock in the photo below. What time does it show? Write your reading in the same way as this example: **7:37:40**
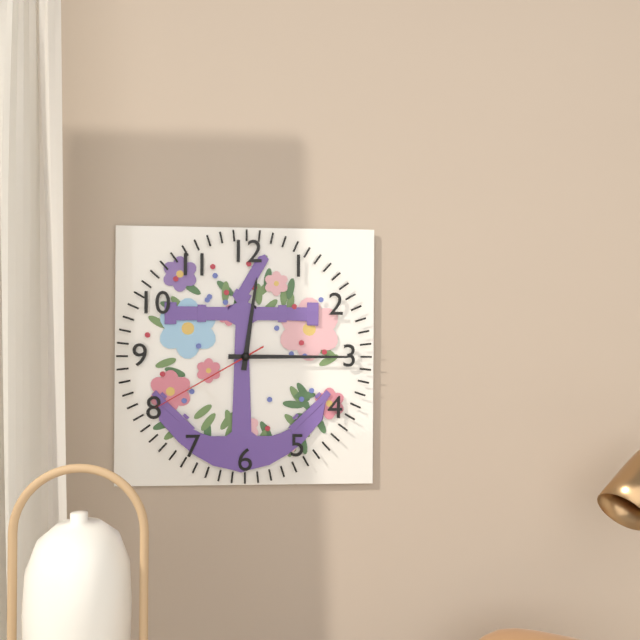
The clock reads **12:15:40**
